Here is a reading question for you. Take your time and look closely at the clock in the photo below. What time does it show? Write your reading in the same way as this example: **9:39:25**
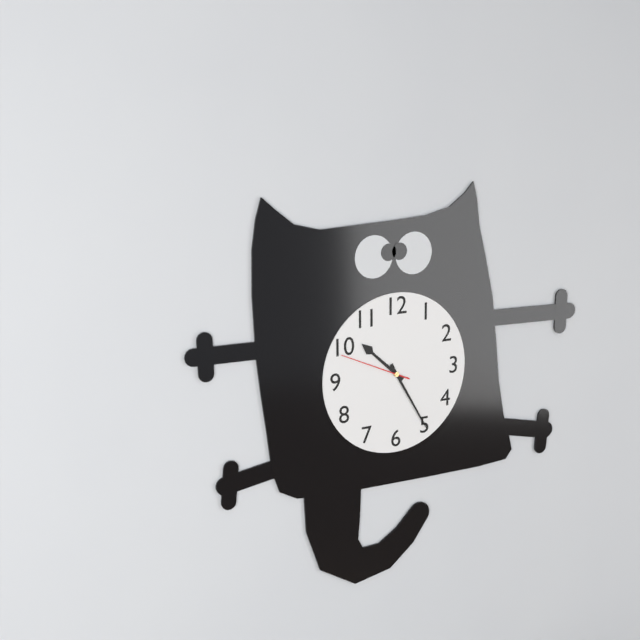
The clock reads **10:25:49**
